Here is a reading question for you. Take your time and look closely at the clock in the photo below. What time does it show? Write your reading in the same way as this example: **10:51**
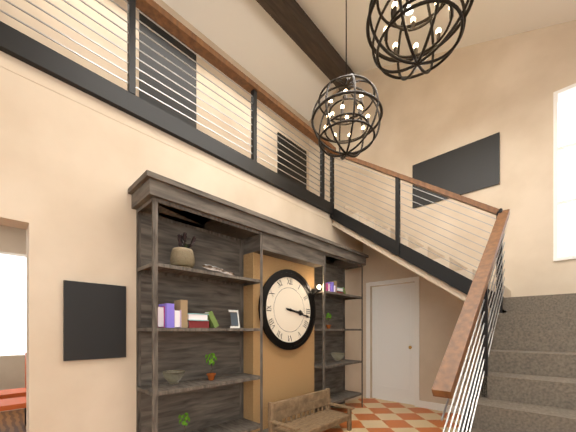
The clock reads **3:17**
